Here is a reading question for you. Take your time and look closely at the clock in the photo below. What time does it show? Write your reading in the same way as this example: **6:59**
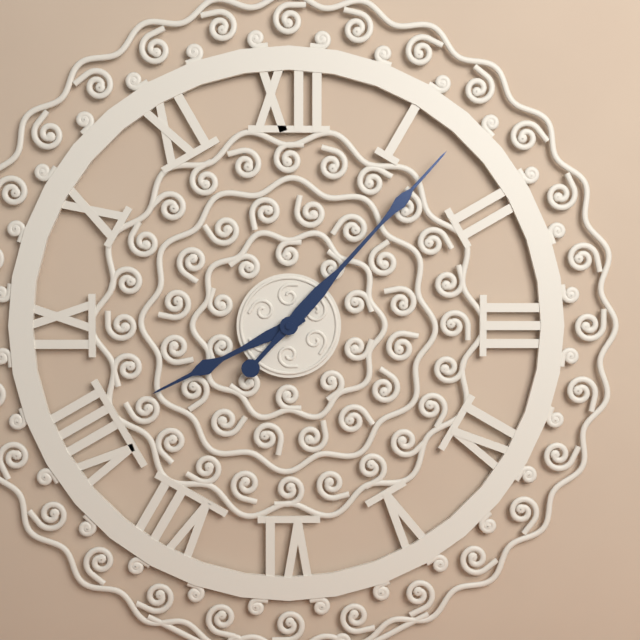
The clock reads **8:07**
